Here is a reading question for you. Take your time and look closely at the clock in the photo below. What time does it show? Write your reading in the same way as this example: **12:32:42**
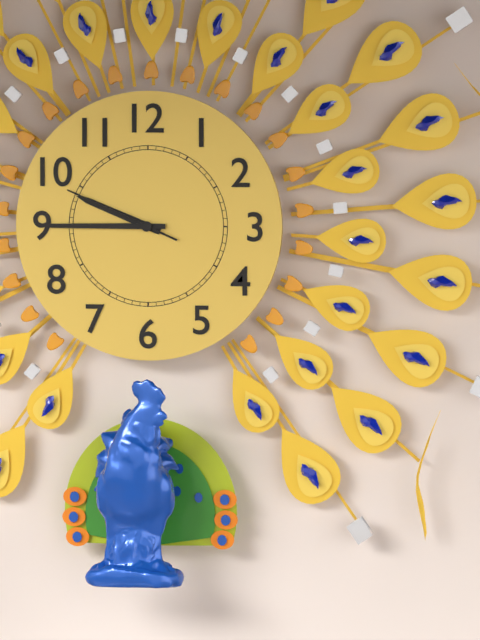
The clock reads **9:45:49**
